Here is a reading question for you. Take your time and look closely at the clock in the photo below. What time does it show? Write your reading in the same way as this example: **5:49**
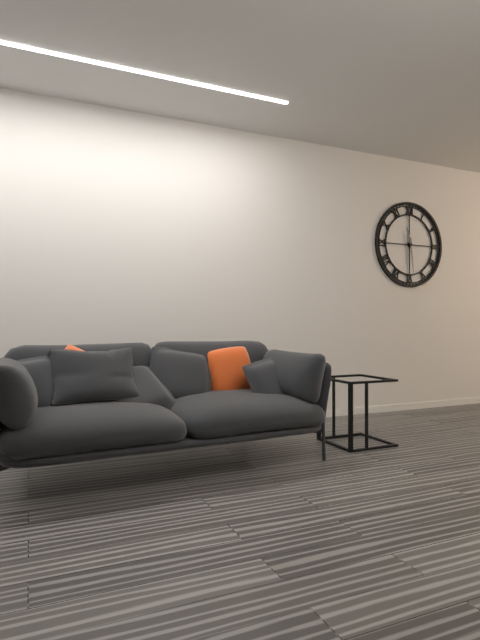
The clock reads **11:29**
